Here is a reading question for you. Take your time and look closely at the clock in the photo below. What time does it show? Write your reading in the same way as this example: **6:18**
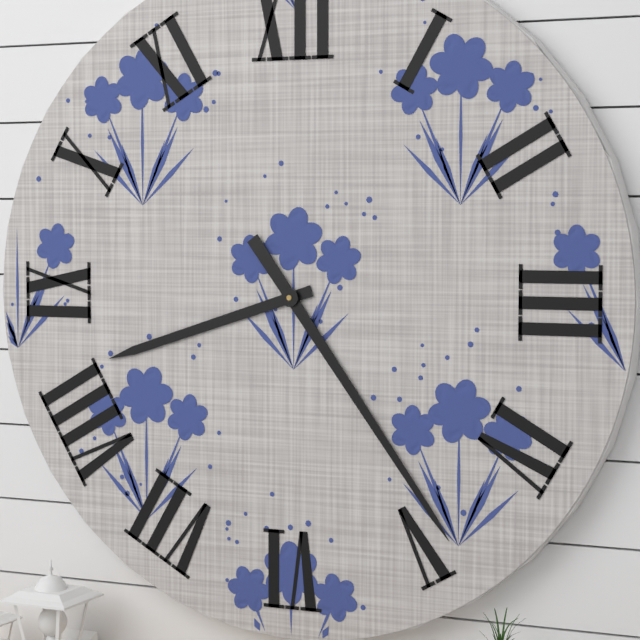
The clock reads **8:24**
